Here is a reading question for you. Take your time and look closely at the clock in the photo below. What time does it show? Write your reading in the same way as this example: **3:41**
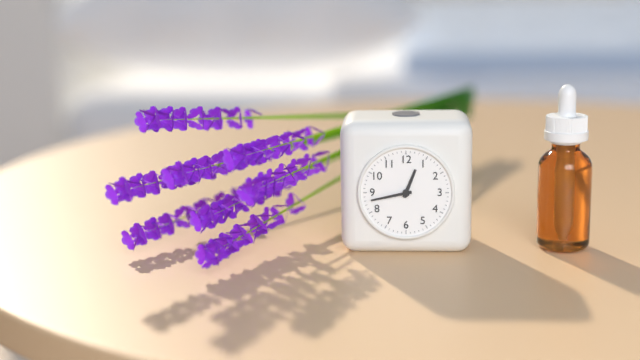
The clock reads **12:43**
